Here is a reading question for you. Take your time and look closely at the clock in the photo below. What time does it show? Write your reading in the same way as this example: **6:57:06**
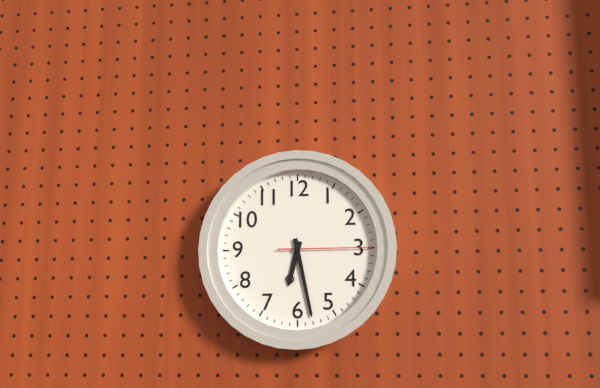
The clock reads **6:28:15**
